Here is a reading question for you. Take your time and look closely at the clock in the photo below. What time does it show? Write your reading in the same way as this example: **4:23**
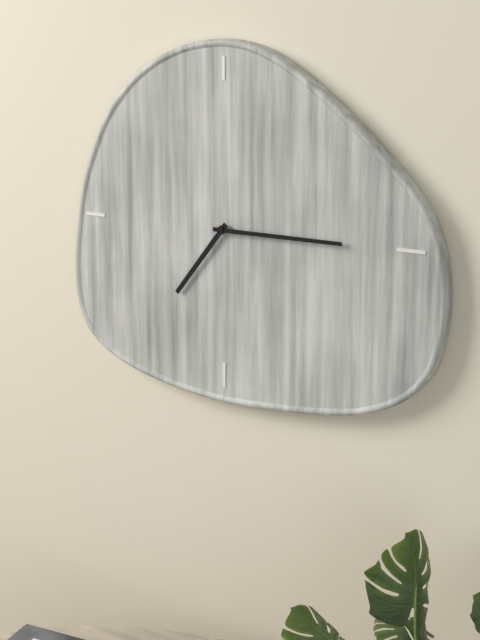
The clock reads **7:15**
